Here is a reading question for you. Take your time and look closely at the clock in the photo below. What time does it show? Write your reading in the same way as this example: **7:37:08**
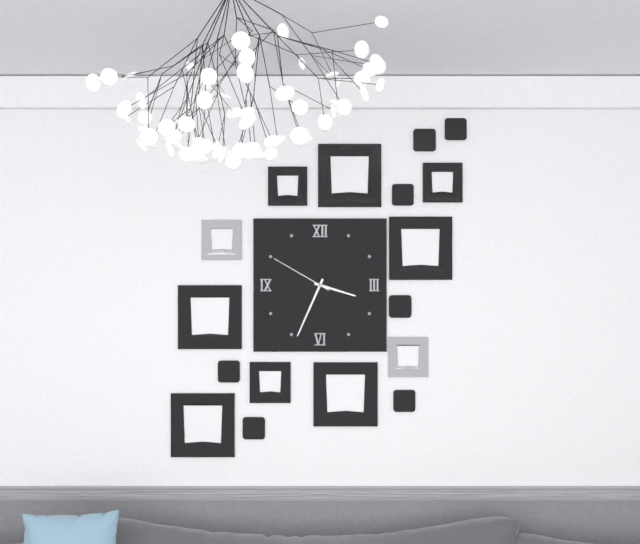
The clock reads **3:34:50**
